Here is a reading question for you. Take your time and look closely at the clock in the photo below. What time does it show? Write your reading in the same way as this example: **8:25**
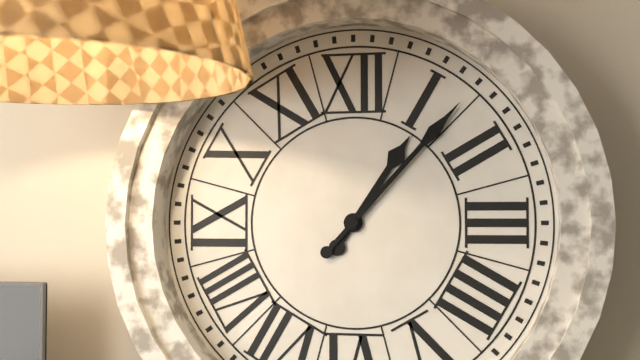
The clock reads **1:07**
